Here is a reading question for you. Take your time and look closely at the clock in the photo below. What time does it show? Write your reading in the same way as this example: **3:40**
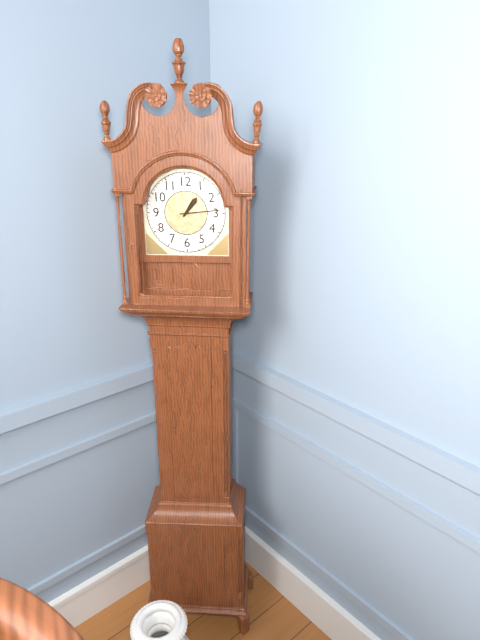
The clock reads **1:14**
